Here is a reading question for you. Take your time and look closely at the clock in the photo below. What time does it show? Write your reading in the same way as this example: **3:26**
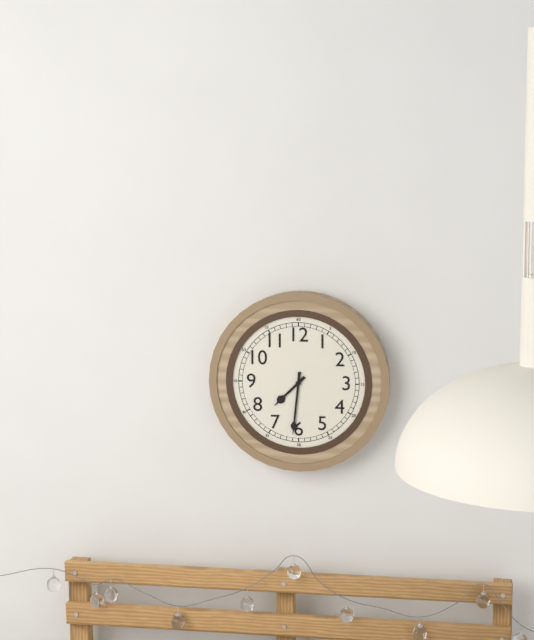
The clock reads **7:31**
